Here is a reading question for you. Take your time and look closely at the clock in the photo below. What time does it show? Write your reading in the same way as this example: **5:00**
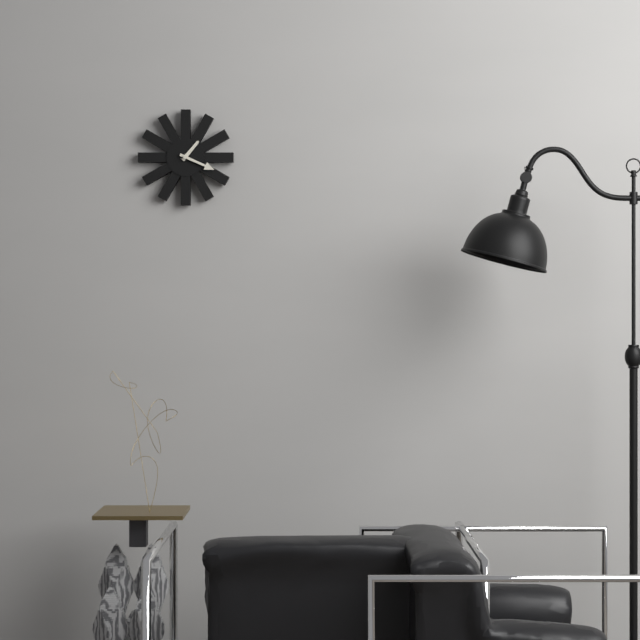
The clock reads **1:19**
